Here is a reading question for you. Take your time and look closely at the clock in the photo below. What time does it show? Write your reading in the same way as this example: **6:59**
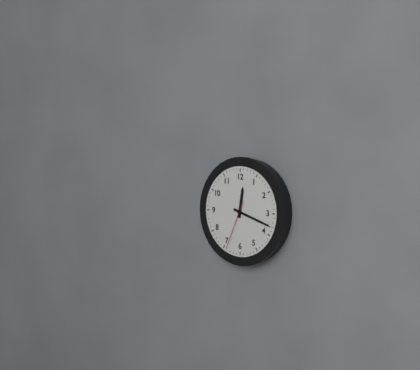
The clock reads **12:18**
